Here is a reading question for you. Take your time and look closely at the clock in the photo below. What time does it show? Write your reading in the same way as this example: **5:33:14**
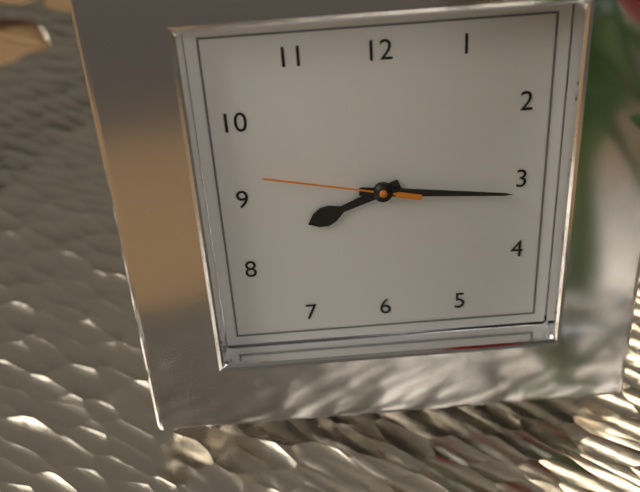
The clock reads **8:16:47**
